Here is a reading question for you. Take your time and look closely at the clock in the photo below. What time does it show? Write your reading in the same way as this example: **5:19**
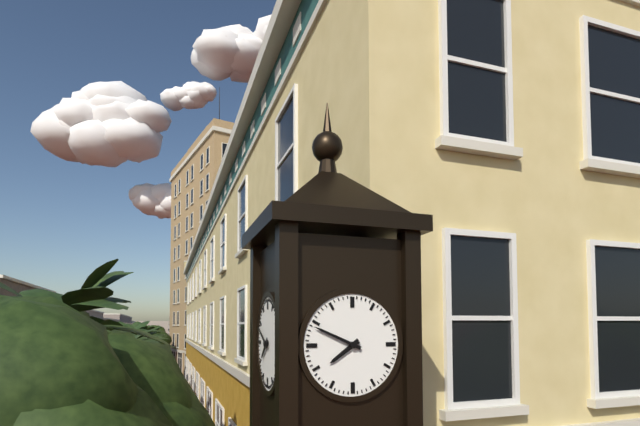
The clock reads **7:49**
